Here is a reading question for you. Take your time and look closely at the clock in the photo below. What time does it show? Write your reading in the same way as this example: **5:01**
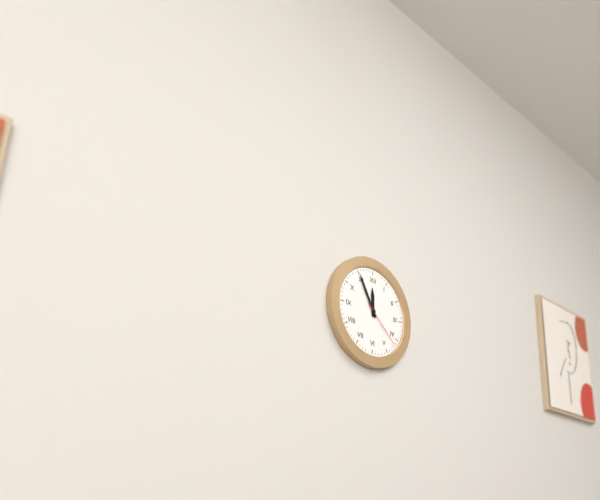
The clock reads **11:55**
